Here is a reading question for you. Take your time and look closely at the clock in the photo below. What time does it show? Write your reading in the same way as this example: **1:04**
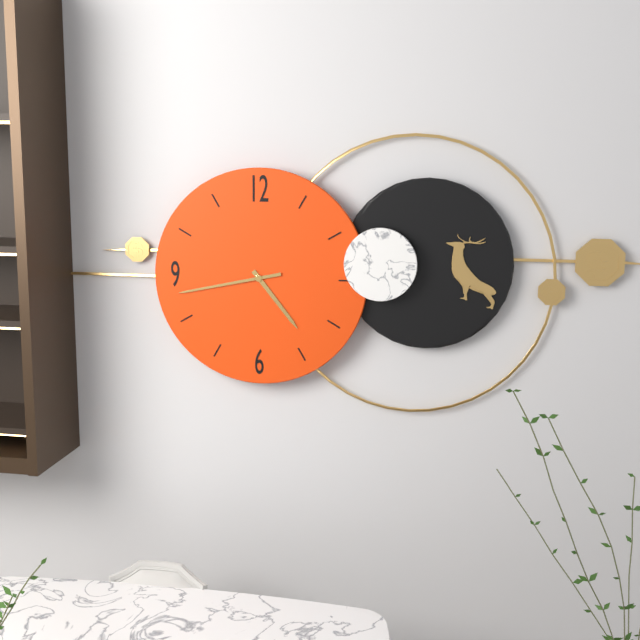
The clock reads **4:43**
